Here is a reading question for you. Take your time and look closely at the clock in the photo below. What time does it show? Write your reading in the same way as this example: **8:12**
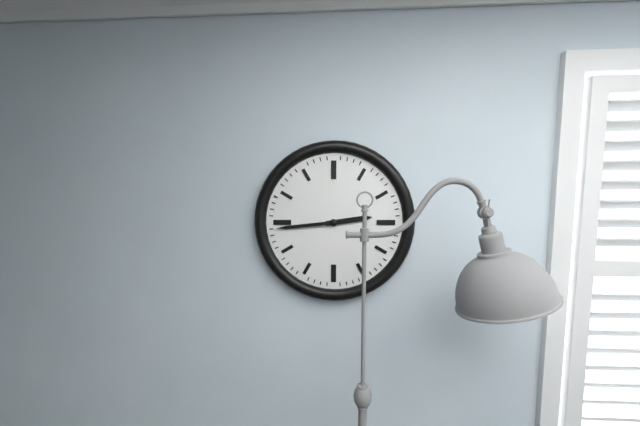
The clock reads **2:44**
